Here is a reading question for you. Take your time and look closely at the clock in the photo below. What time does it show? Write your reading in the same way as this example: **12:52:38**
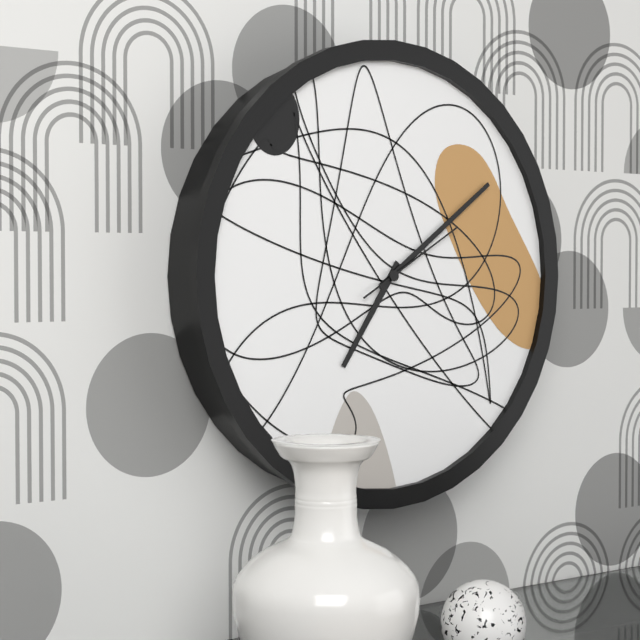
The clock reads **7:09:10**
